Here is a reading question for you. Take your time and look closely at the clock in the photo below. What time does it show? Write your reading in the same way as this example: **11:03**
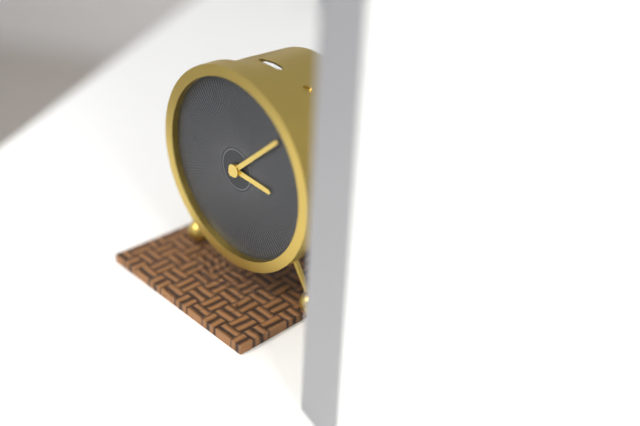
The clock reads **3:08**
